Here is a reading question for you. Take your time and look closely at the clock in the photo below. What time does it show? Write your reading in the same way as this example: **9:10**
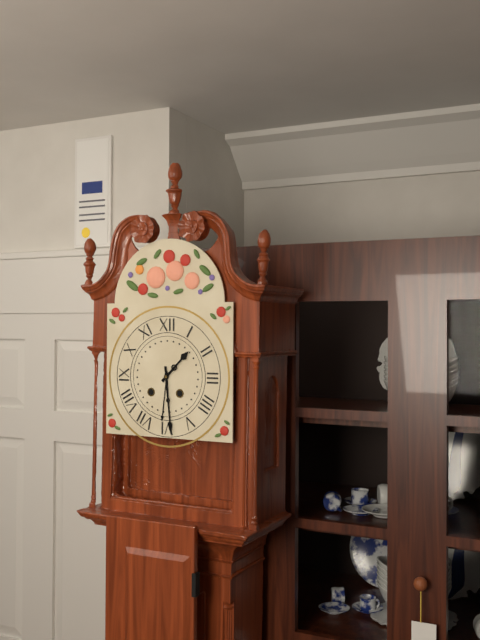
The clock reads **1:29**
